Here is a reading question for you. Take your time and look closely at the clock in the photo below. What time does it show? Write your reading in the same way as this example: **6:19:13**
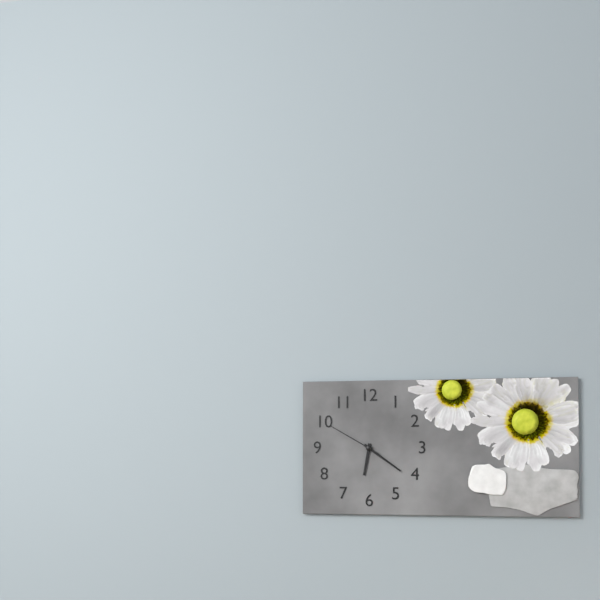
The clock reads **6:21:50**
